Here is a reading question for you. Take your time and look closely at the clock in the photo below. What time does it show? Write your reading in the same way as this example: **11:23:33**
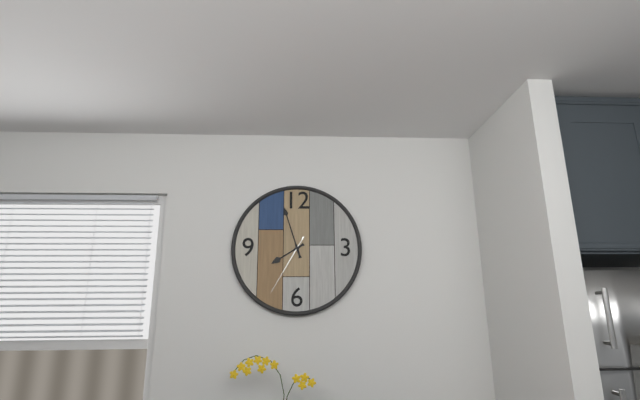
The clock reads **7:57:35**
